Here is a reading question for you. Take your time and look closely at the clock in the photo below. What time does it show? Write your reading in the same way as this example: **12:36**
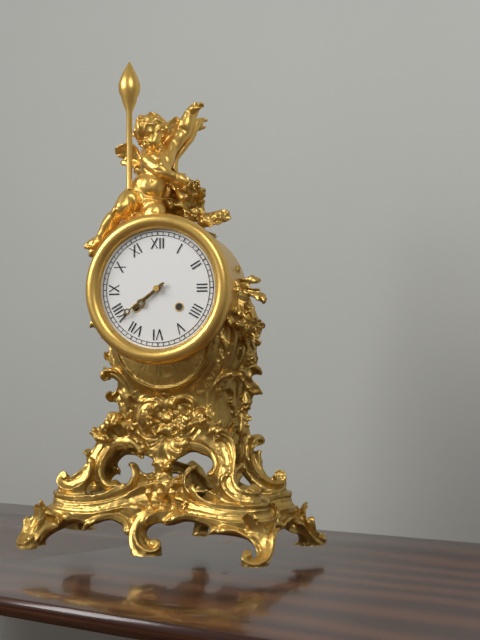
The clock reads **7:39**
